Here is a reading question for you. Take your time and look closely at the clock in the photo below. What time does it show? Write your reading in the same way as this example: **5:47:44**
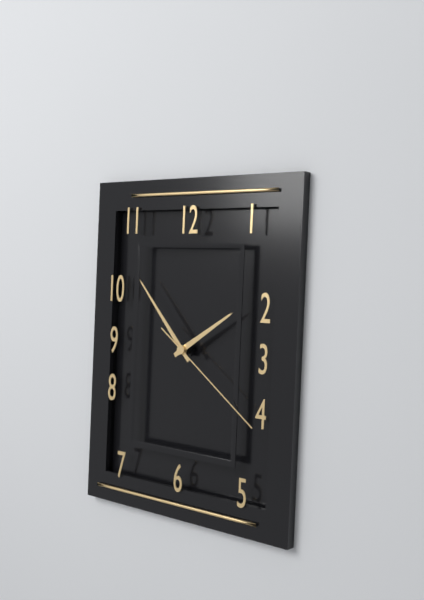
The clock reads **1:53:21**
